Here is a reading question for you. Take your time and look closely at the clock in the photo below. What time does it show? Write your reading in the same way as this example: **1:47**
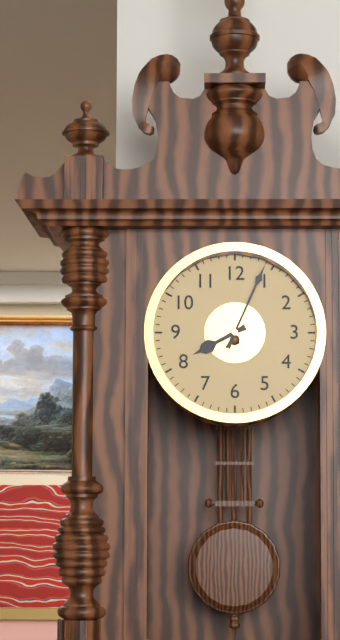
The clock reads **8:04**
